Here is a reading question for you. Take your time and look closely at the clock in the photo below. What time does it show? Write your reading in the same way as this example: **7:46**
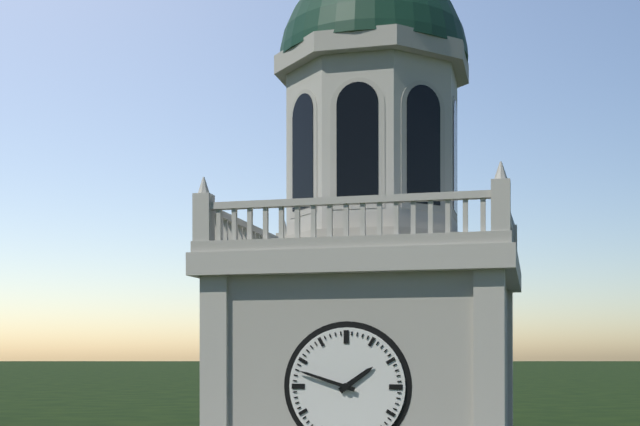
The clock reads **1:48**
